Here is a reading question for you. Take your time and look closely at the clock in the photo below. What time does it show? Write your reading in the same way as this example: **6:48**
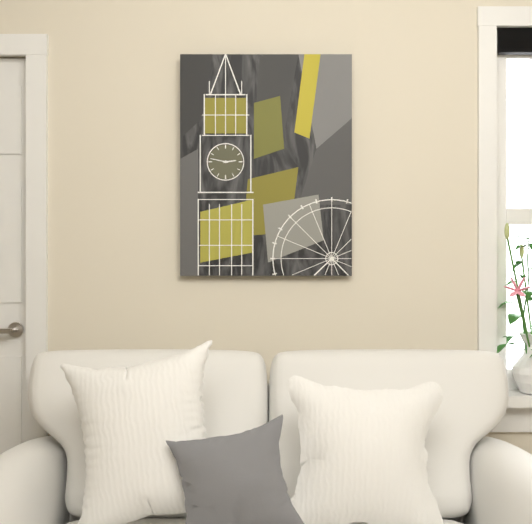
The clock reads **2:47**
